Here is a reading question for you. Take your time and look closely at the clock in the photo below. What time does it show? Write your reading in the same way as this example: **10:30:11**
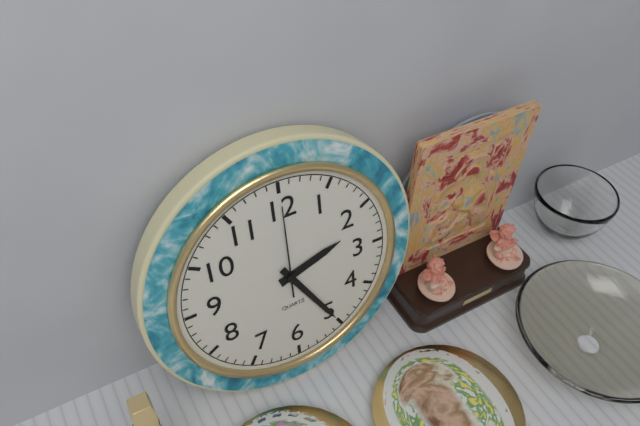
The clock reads **2:25:00**
